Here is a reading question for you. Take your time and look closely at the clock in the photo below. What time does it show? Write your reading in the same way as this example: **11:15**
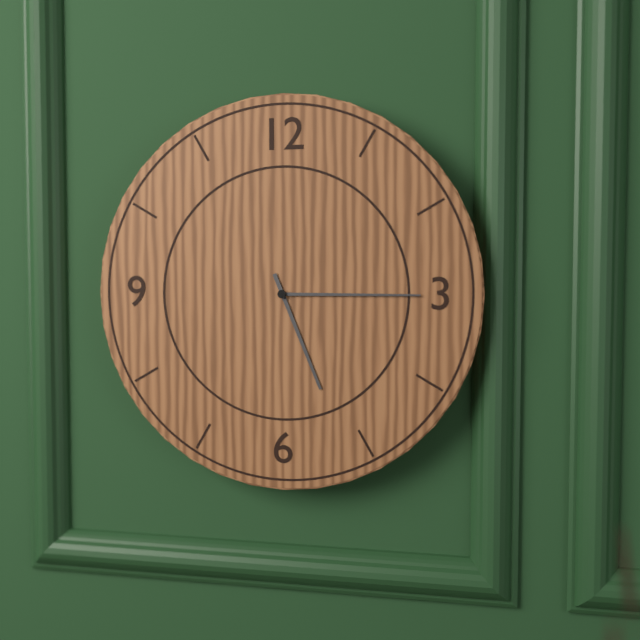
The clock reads **5:15**
